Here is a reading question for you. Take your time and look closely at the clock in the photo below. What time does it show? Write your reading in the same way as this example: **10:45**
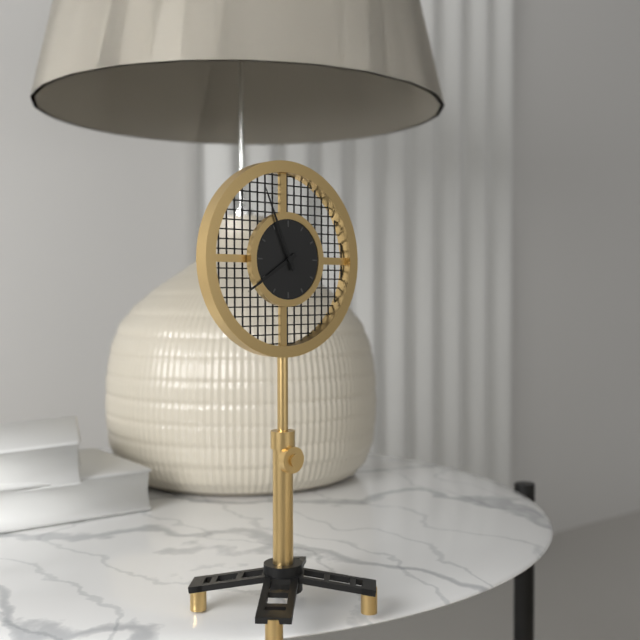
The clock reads **7:56**
